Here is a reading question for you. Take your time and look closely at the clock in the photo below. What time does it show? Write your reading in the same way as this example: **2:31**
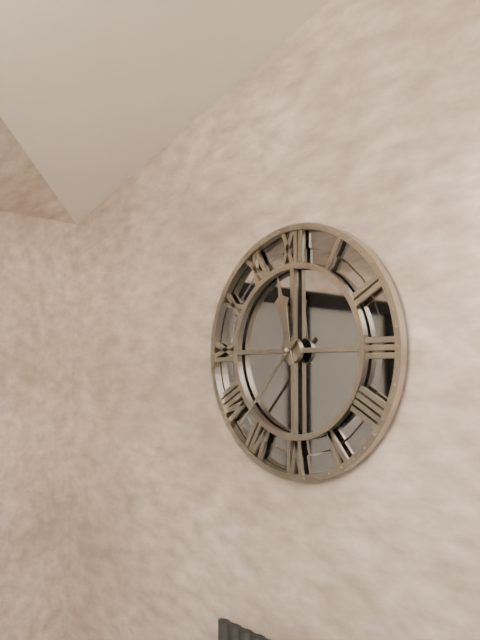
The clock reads **11:37**
